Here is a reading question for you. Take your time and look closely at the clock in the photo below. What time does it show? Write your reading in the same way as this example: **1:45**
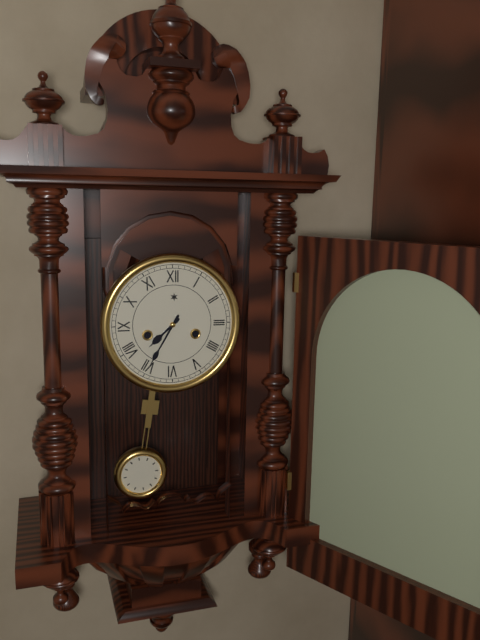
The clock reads **7:35**
